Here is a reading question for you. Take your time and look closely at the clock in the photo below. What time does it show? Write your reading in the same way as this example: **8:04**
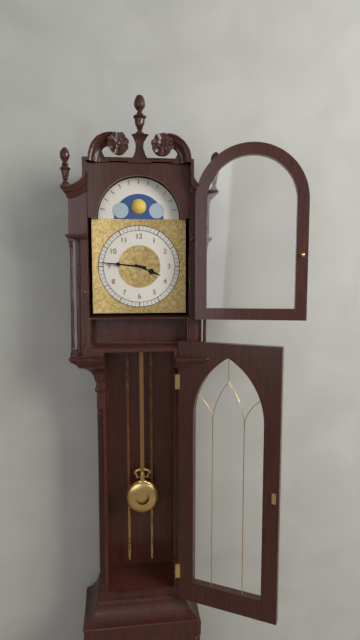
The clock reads **3:46**
